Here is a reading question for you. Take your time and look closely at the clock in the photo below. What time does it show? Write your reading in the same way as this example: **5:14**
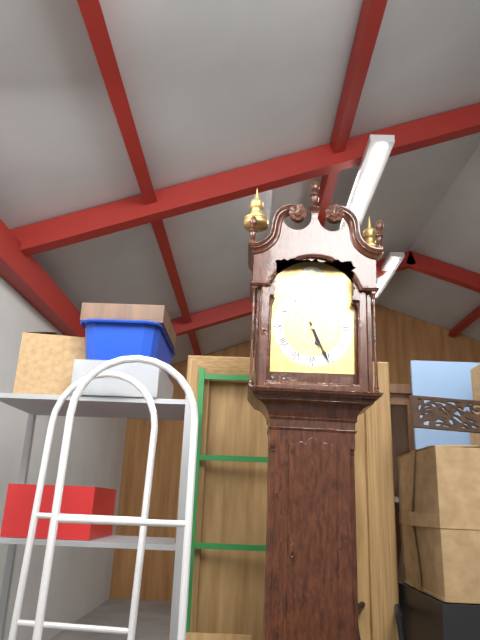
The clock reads **5:26**
